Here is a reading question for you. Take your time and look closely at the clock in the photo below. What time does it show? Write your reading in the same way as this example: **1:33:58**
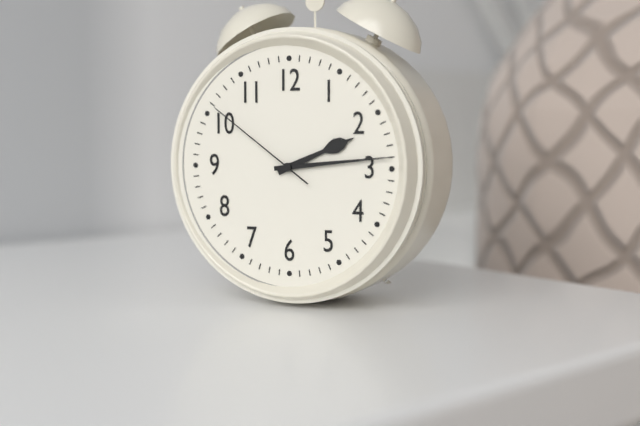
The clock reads **2:14:51**
